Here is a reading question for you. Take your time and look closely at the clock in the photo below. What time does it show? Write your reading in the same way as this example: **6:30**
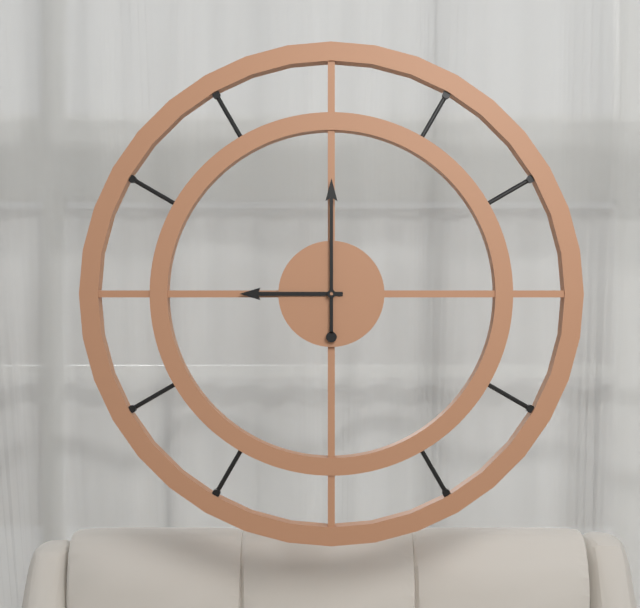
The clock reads **9:00**
